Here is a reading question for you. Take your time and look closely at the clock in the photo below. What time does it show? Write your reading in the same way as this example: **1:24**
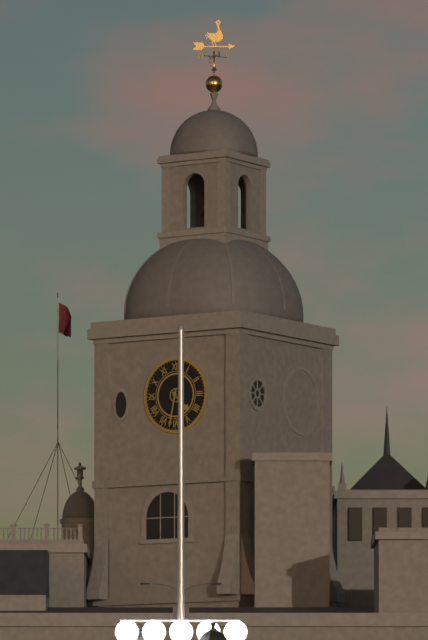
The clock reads **4:32**
